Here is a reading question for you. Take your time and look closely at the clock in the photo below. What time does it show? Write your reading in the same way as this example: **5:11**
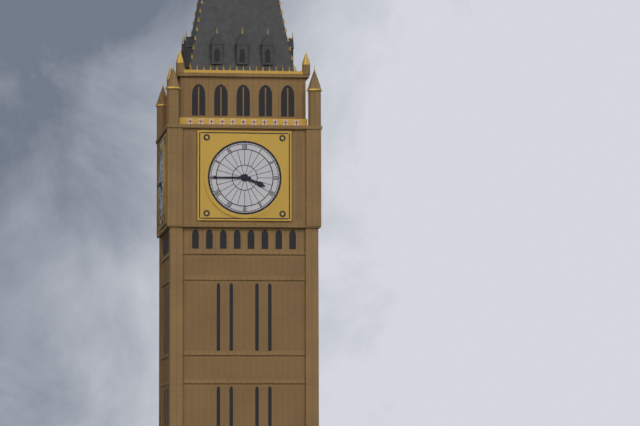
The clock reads **3:45**
